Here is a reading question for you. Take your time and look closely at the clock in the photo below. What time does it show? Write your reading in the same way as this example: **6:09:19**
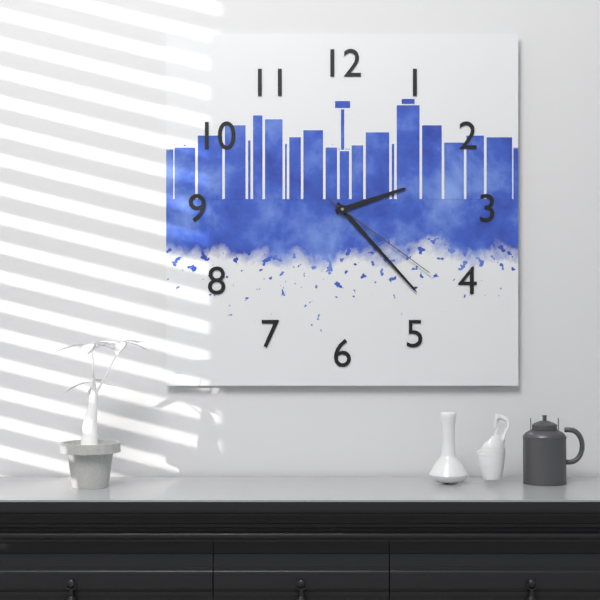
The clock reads **2:23:21**
